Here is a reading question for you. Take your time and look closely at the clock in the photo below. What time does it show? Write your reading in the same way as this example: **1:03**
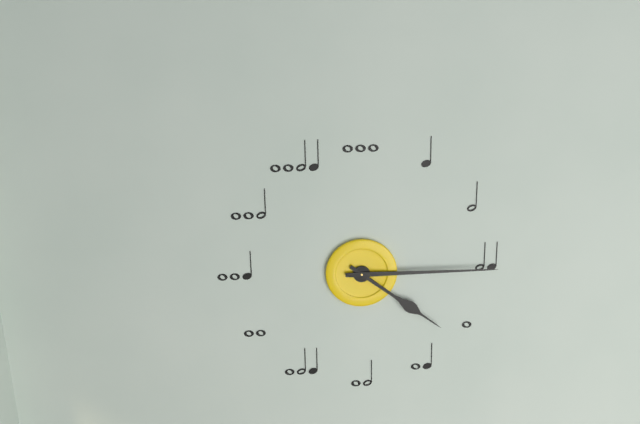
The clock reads **4:15**
